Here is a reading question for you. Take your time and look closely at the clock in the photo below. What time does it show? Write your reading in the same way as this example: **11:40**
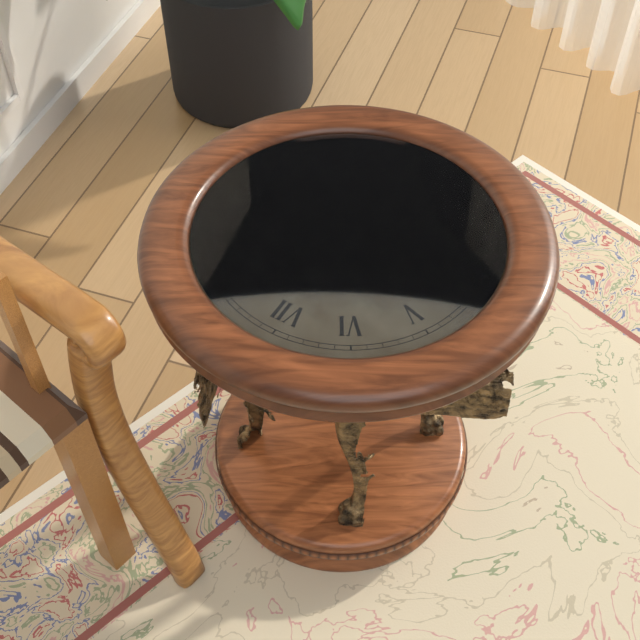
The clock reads **9:16**
